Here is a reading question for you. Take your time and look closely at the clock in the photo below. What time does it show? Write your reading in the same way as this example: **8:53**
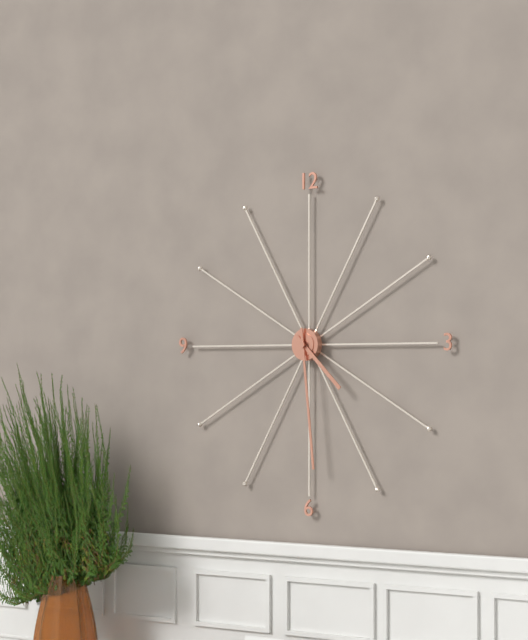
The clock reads **4:29**
